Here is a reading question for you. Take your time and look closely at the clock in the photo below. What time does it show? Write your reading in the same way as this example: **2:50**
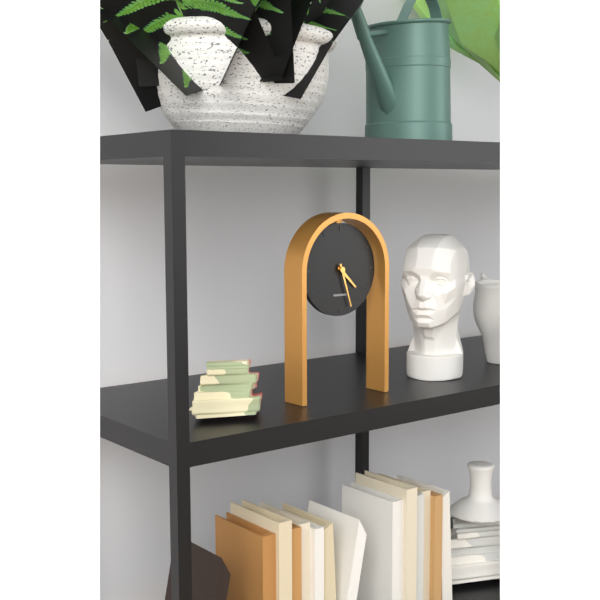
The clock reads **4:27**
